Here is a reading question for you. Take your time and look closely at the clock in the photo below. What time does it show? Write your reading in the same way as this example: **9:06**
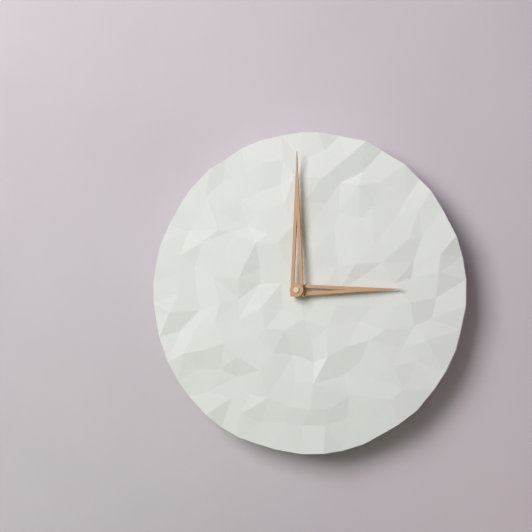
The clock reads **3:00**
